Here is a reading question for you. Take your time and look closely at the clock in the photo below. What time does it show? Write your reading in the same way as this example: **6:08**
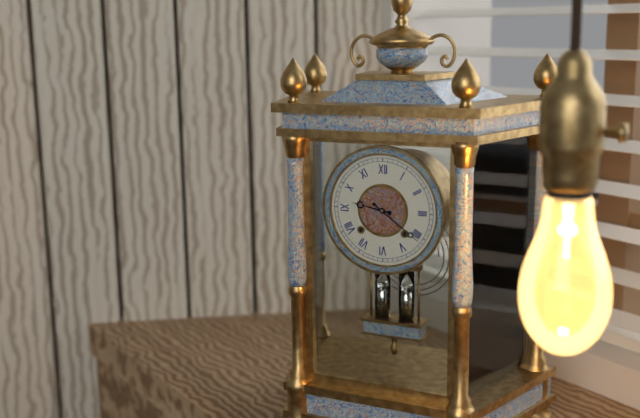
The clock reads **9:21**
